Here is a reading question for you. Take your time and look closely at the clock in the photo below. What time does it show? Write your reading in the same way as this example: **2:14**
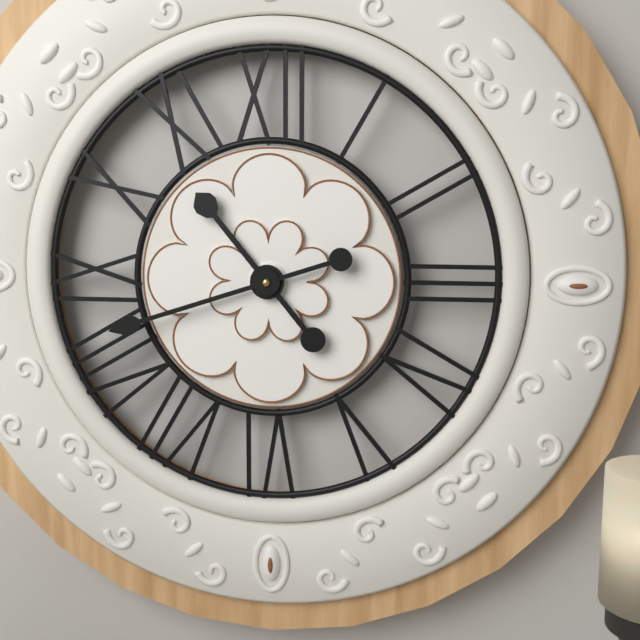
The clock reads **10:42**
